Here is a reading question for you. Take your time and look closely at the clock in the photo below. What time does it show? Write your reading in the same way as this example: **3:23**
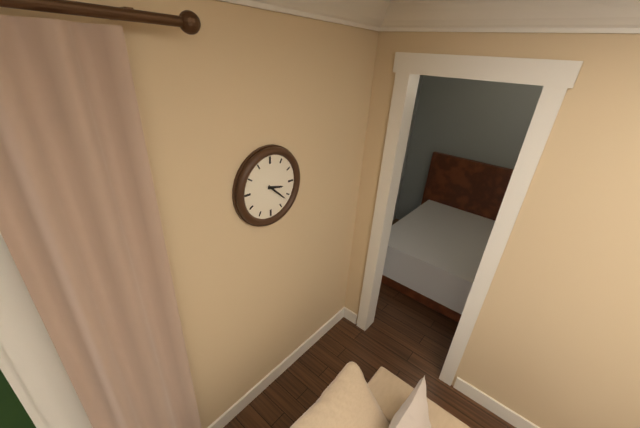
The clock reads **3:22**
